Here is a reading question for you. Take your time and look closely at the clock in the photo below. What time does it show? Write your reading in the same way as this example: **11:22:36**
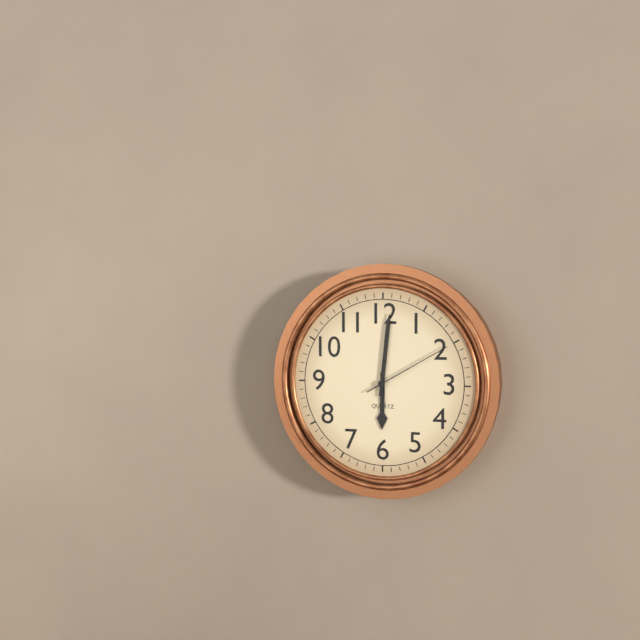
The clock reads **6:01:10**
